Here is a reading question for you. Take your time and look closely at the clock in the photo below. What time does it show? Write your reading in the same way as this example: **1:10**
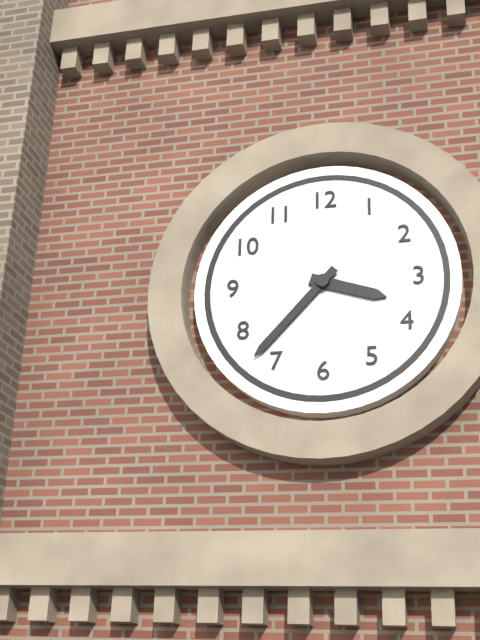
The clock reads **3:37**
